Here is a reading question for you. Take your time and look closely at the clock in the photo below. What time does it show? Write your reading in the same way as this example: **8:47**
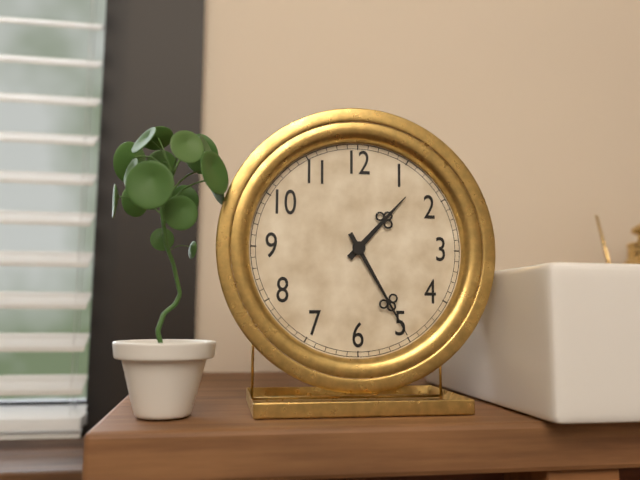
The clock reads **1:25**
